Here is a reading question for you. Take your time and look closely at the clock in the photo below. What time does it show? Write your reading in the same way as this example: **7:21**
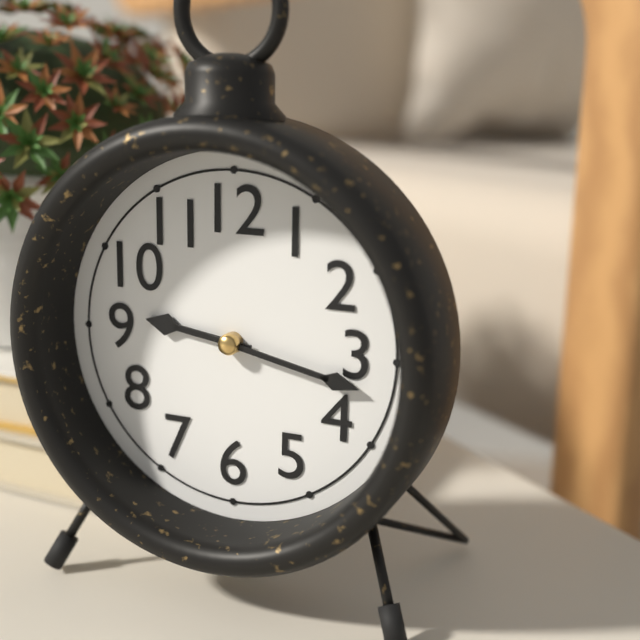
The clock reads **9:17**
